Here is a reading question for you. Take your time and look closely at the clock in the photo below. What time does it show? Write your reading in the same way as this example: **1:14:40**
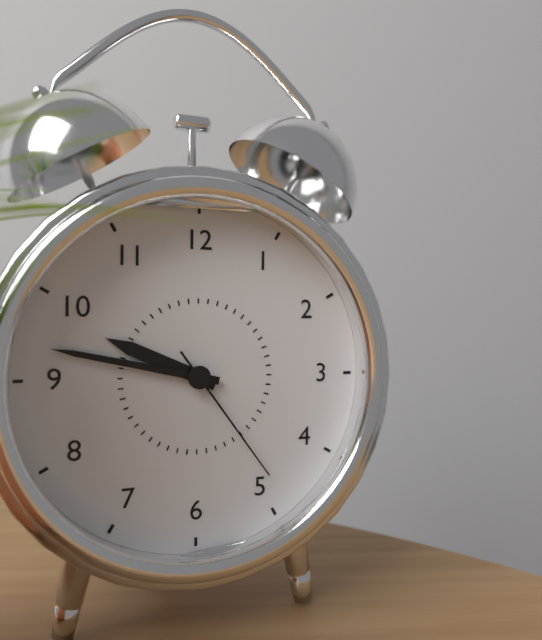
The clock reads **9:47:24**
